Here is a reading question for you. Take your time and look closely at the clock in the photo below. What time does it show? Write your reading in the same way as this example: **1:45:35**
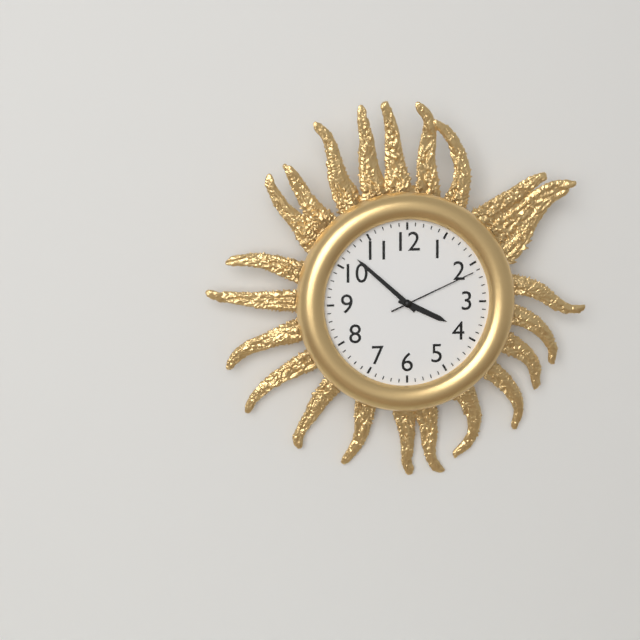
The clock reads **3:52:11**
